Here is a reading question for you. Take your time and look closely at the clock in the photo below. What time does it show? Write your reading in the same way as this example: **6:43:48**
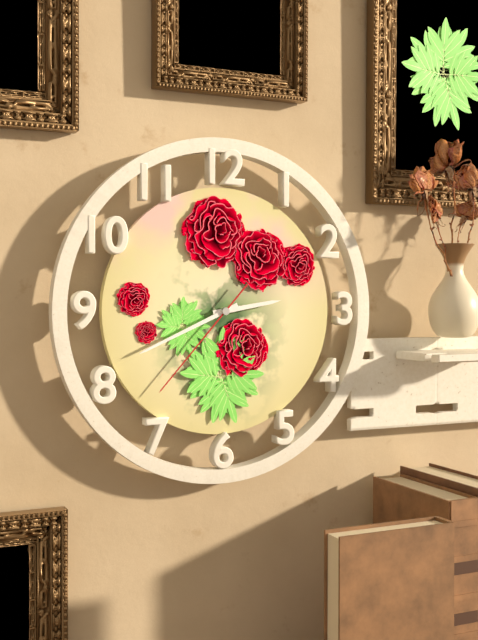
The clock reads **2:41:37**
